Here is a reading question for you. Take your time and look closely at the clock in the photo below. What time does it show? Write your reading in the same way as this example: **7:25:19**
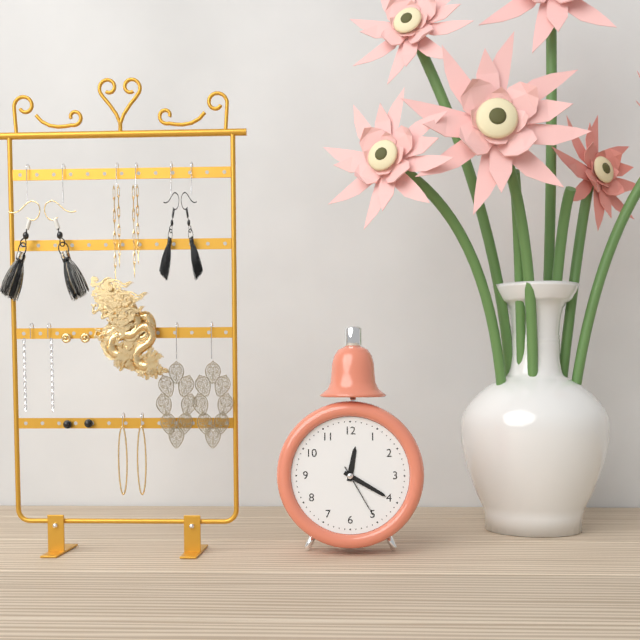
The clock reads **12:20:25**
